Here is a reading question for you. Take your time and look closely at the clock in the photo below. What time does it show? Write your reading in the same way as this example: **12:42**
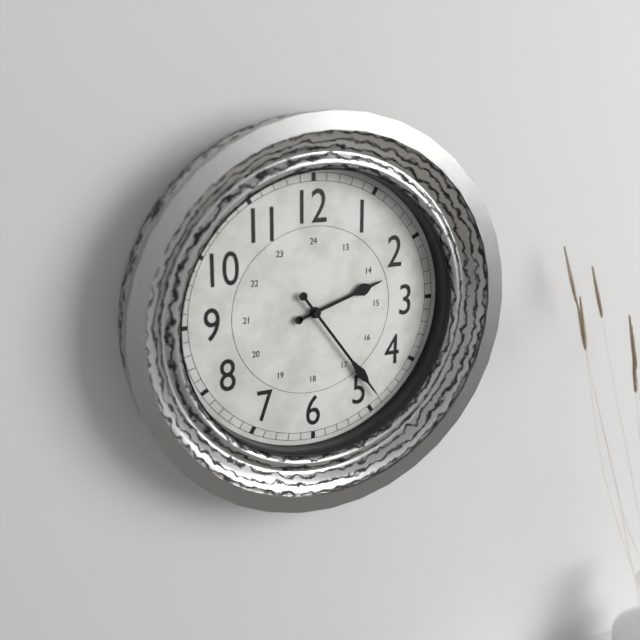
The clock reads **2:24**
